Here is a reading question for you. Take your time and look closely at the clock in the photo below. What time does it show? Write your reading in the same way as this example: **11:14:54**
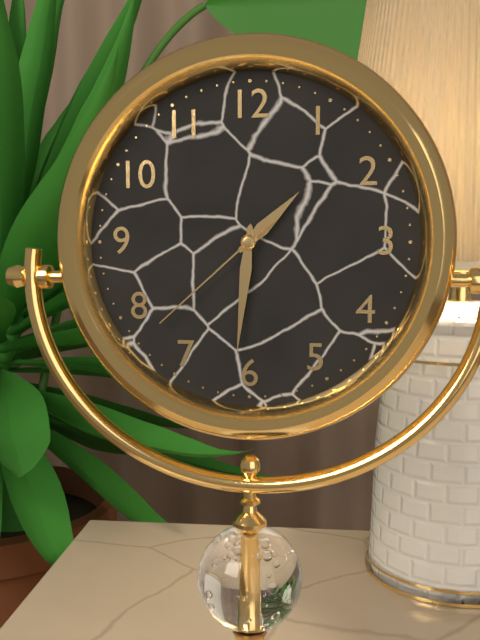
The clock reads **1:31:38**
